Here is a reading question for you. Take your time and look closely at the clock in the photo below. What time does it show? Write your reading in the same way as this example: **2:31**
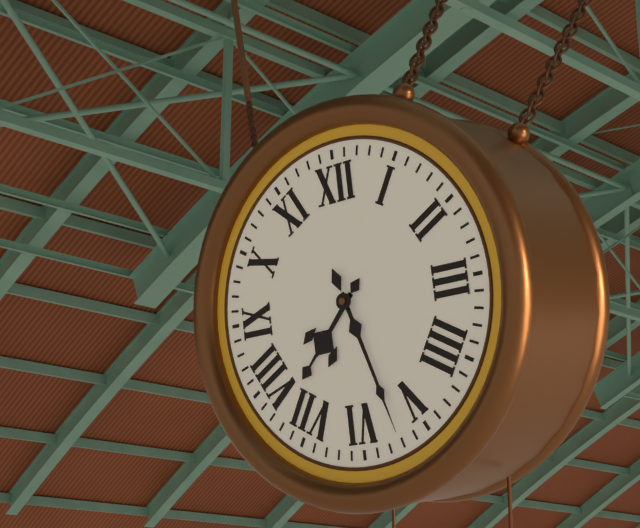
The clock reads **7:27**
